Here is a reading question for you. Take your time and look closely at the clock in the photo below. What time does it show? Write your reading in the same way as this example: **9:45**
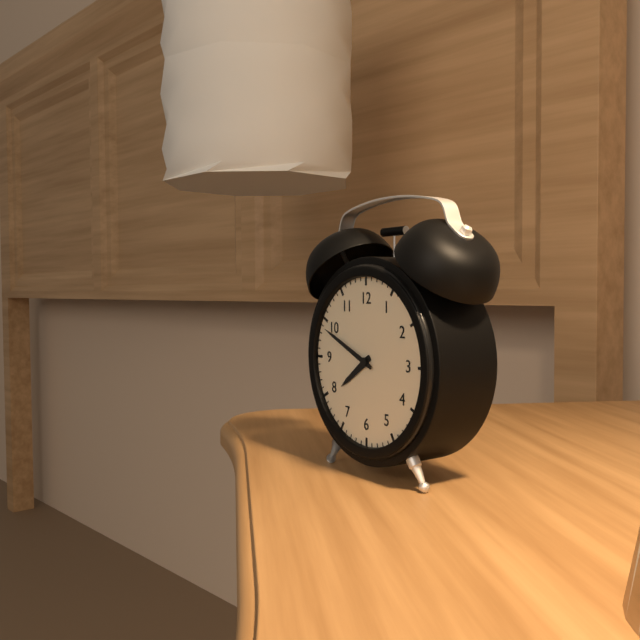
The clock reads **7:49**
